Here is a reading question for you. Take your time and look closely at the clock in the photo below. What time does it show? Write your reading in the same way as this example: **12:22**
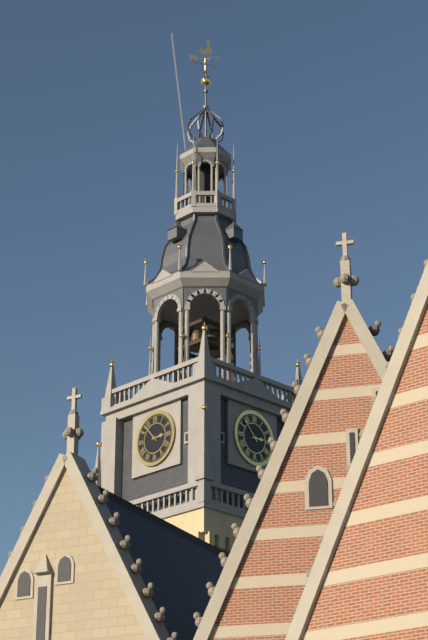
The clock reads **2:53**
